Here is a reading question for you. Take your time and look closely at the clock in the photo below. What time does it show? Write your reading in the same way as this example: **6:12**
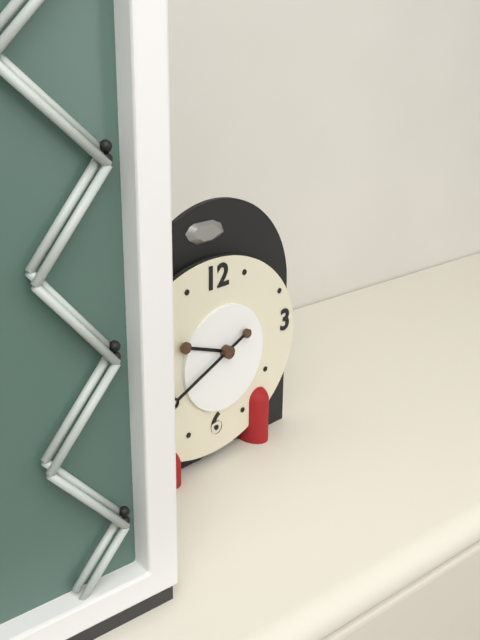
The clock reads **9:41**
